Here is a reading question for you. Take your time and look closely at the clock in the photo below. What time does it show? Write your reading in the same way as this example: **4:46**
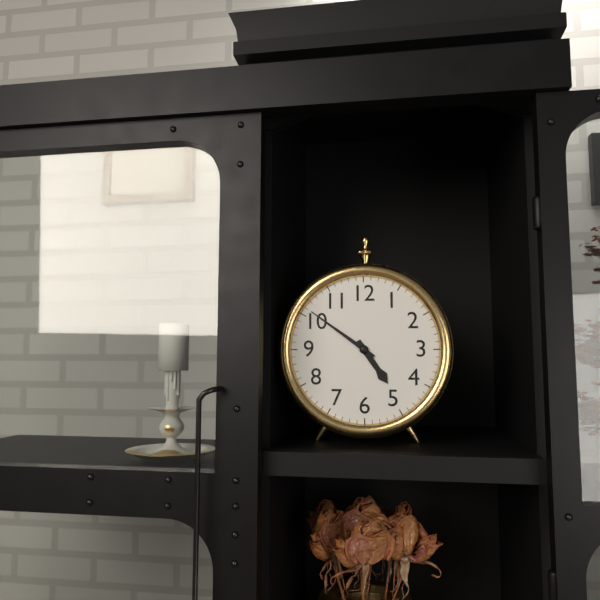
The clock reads **4:51**
